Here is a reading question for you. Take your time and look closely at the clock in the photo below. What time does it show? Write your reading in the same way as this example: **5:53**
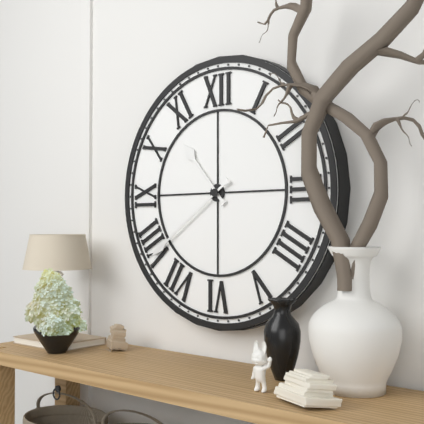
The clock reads **10:39**
